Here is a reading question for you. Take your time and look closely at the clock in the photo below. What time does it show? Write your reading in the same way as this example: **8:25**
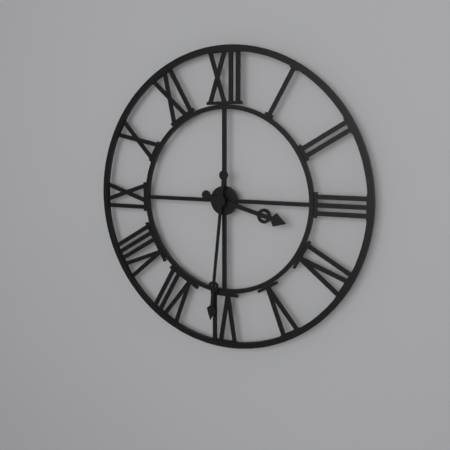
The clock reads **3:31**
